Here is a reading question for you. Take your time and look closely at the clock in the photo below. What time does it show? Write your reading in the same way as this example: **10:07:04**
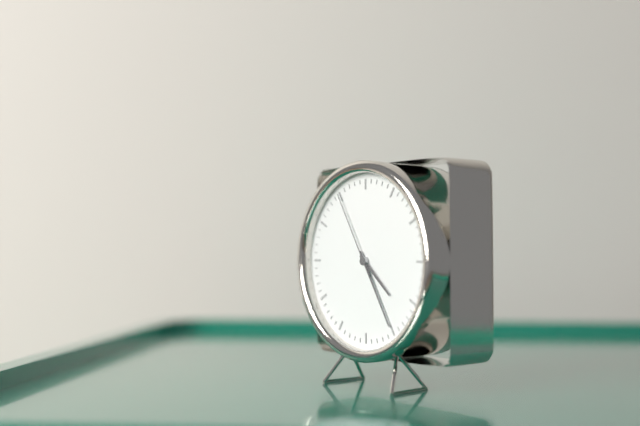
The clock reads **4:25:55**
